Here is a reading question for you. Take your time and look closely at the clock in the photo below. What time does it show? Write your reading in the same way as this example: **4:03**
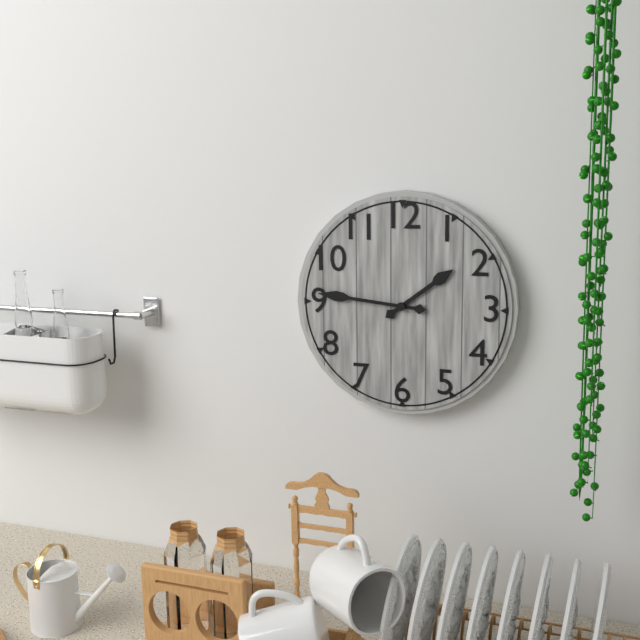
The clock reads **1:46**
